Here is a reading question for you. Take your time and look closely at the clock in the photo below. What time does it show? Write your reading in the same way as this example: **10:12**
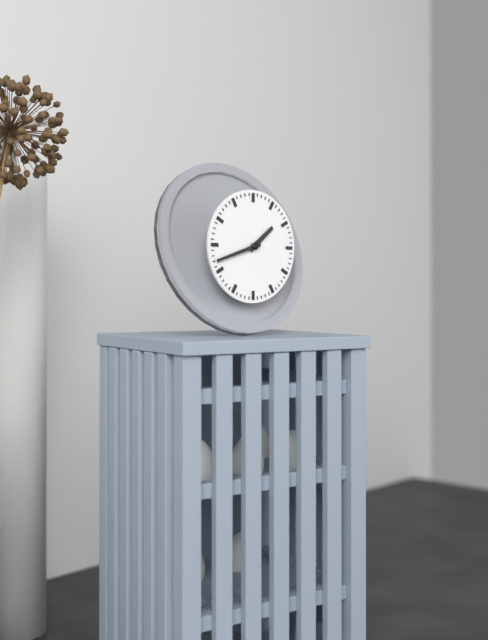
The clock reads **1:42**
